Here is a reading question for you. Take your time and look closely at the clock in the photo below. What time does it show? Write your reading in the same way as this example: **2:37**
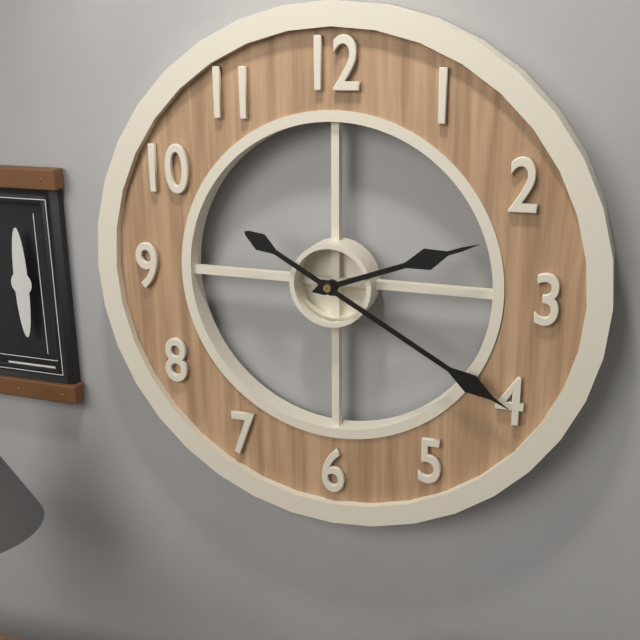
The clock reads **2:20**
